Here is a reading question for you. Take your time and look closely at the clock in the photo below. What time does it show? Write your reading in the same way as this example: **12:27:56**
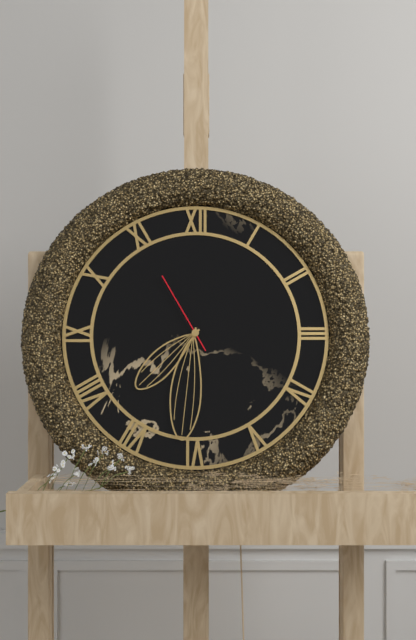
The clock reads **7:31:55**
